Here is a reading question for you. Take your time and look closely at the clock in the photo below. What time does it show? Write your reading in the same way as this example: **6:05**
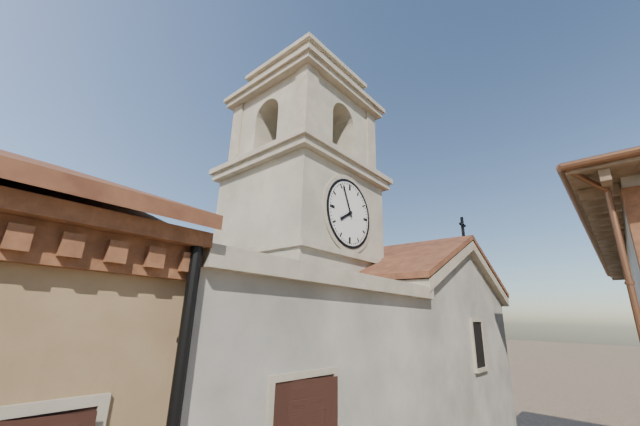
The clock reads **7:56**
